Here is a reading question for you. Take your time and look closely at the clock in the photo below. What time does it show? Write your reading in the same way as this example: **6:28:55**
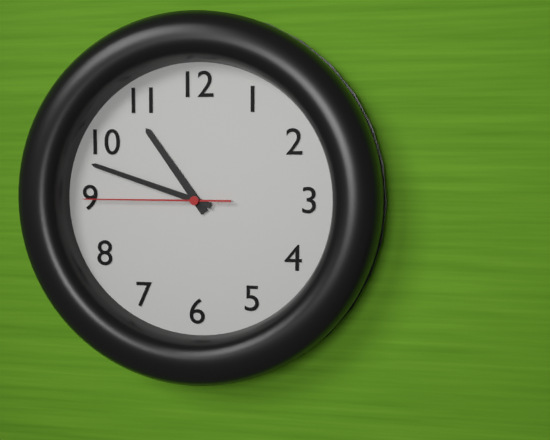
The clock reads **10:48:45**
